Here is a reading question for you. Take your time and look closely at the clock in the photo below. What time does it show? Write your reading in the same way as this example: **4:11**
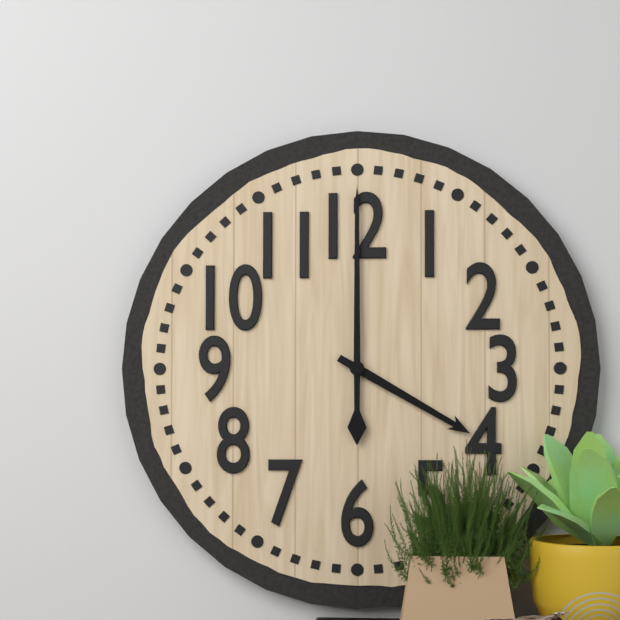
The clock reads **4:00**
